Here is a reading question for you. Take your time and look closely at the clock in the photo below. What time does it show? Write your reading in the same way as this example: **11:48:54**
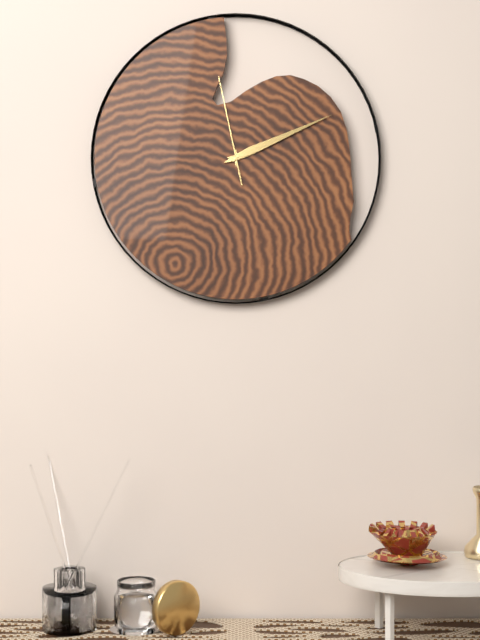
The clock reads **2:11:58**
